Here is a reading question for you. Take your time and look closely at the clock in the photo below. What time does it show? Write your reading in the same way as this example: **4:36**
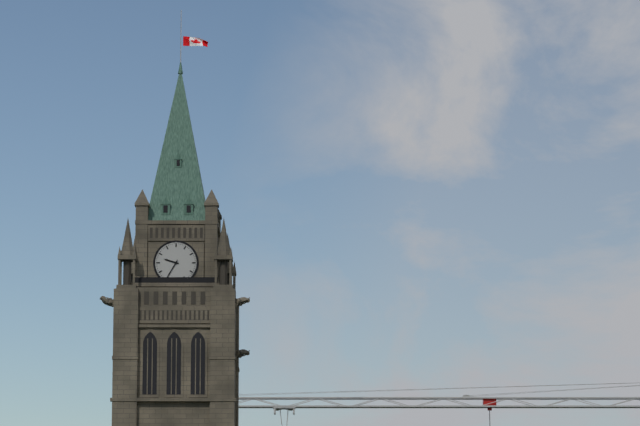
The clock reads **9:35**
